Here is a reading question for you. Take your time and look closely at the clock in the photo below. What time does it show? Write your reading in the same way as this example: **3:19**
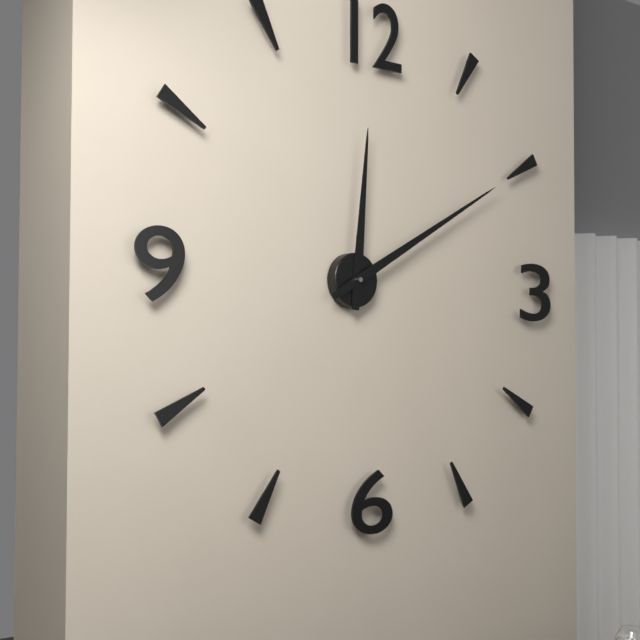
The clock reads **12:10**
